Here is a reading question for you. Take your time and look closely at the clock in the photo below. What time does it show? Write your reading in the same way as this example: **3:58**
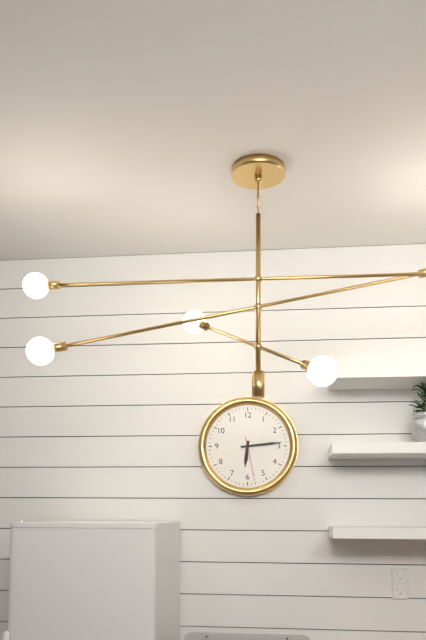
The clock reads **6:14**
